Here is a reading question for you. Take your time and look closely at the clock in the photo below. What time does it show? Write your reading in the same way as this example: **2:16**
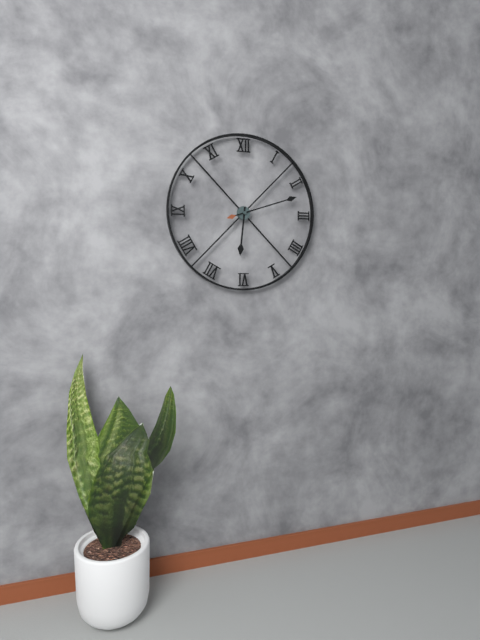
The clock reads **6:12**
